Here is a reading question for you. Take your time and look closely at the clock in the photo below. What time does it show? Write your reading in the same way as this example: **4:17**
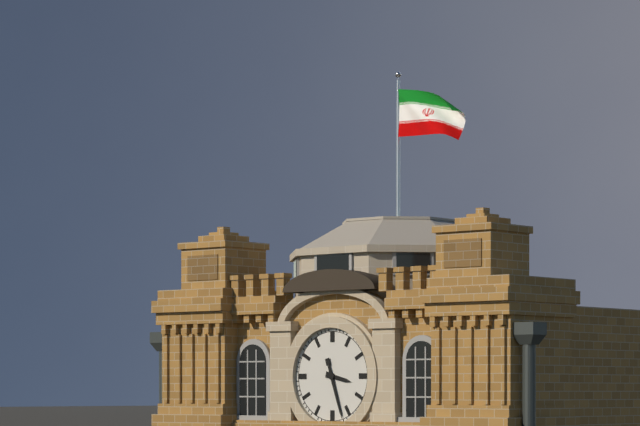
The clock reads **3:27**
